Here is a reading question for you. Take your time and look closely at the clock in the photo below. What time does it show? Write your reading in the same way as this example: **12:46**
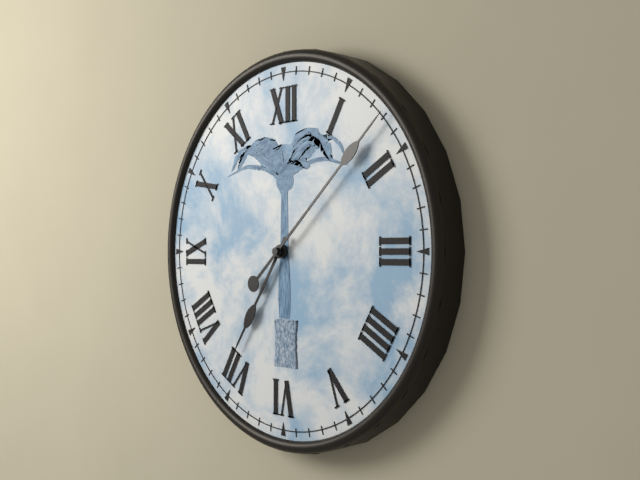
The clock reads **7:08**
